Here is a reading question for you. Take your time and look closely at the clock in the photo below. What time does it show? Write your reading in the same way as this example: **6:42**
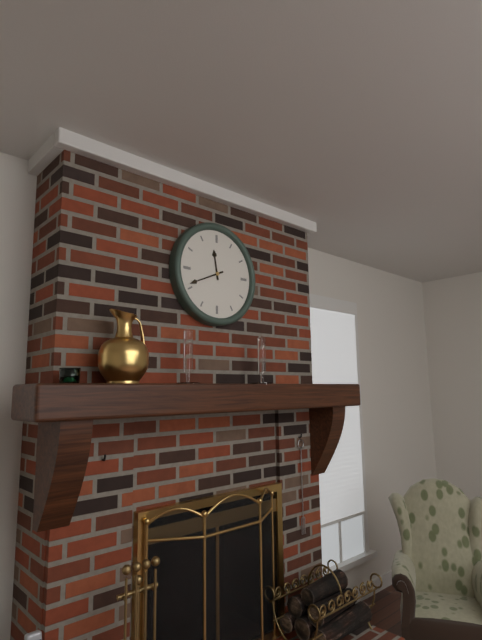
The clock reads **11:41**
